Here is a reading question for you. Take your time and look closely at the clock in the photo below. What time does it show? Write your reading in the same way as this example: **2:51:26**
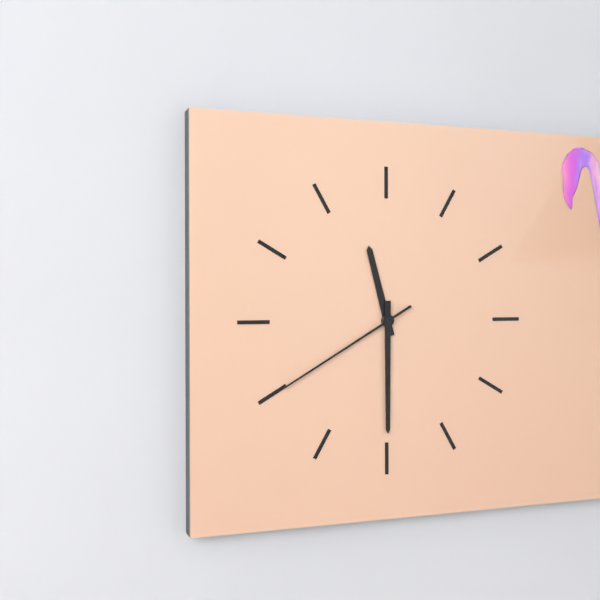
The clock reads **11:30:40**
